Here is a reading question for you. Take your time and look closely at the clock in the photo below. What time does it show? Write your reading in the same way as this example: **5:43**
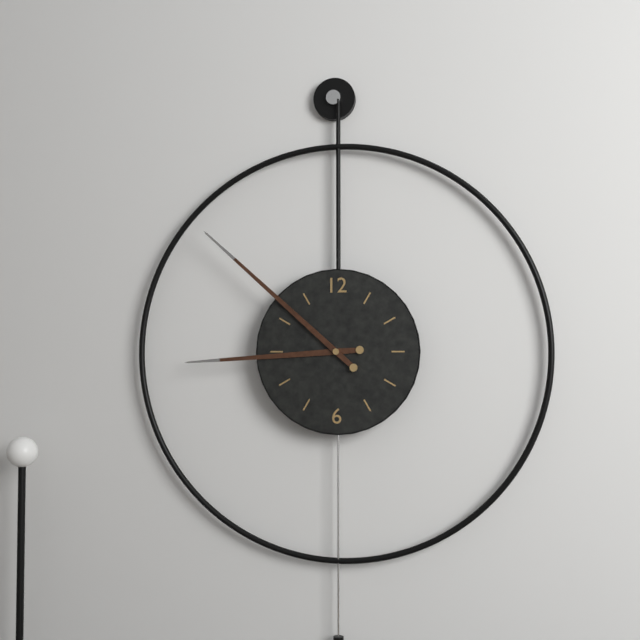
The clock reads **8:52**
